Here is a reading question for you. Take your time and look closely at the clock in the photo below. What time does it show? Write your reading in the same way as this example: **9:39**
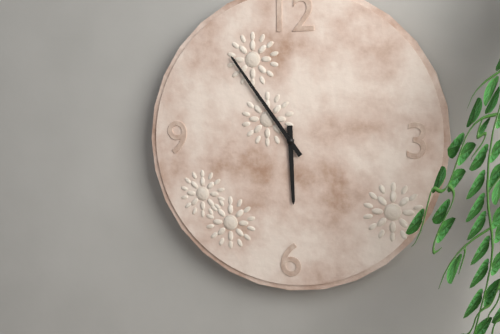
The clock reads **5:54**
